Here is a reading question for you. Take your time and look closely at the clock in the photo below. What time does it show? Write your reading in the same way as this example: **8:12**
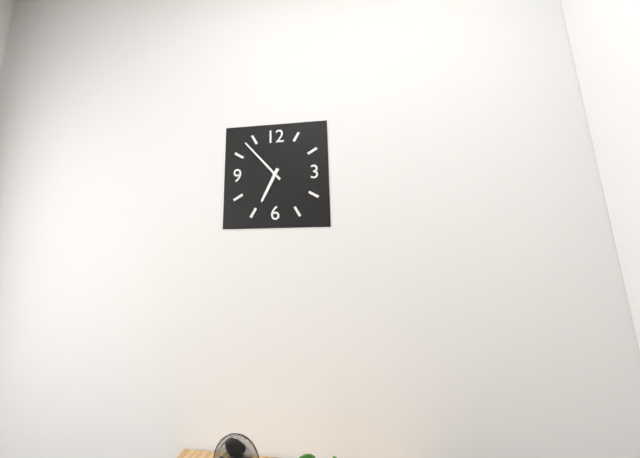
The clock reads **6:53**
